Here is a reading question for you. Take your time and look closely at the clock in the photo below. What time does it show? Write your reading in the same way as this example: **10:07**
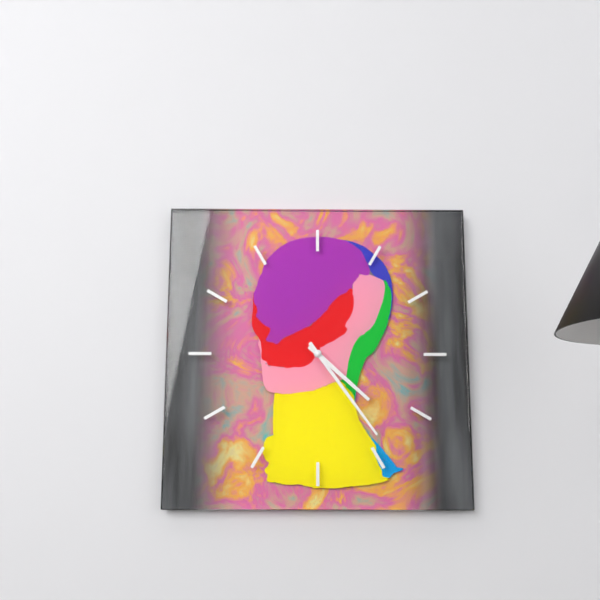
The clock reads **4:24**
